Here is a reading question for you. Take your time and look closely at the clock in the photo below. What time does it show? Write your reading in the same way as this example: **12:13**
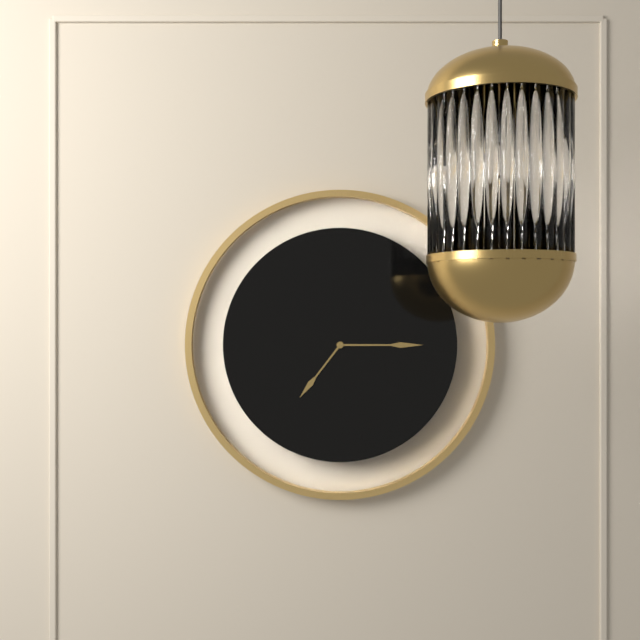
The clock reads **7:15**
